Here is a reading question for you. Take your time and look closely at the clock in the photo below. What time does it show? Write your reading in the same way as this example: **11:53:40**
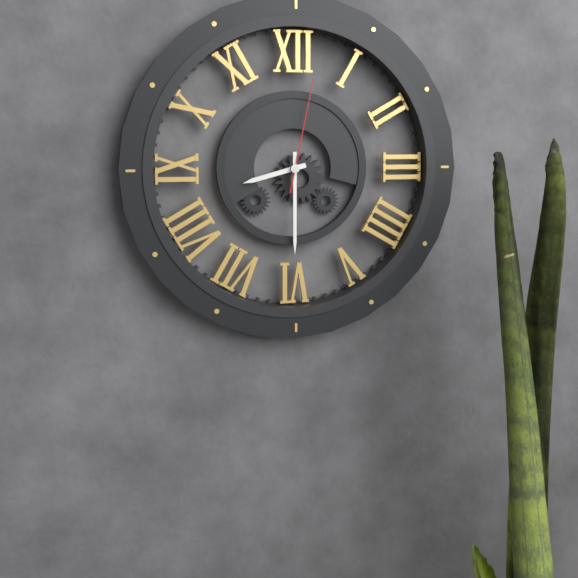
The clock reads **8:30:02**
